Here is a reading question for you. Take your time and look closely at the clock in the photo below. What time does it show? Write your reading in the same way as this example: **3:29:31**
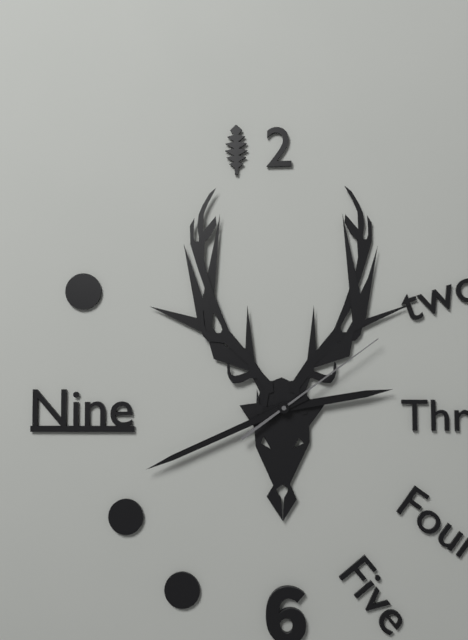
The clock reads **2:41:09**
